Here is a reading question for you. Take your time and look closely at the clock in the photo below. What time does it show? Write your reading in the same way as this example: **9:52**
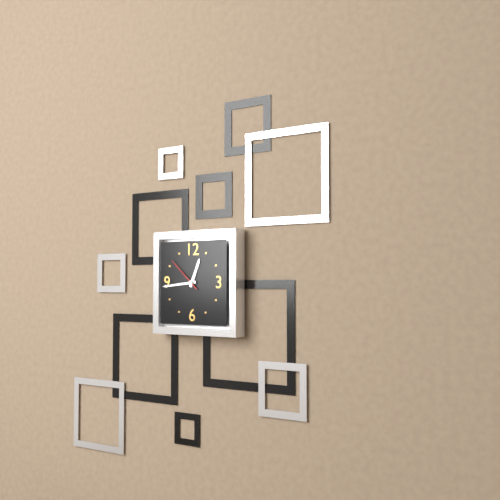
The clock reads **12:44**
